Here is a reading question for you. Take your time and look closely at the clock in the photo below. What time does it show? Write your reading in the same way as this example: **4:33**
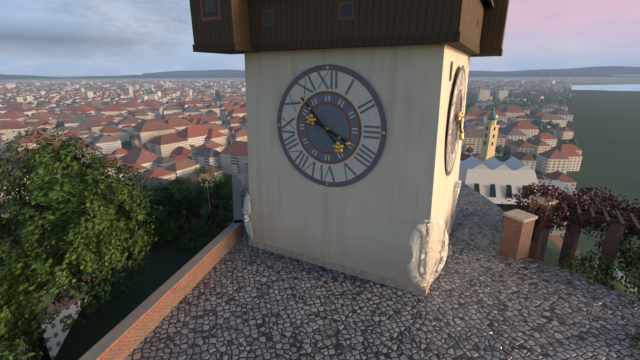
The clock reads **3:53**
